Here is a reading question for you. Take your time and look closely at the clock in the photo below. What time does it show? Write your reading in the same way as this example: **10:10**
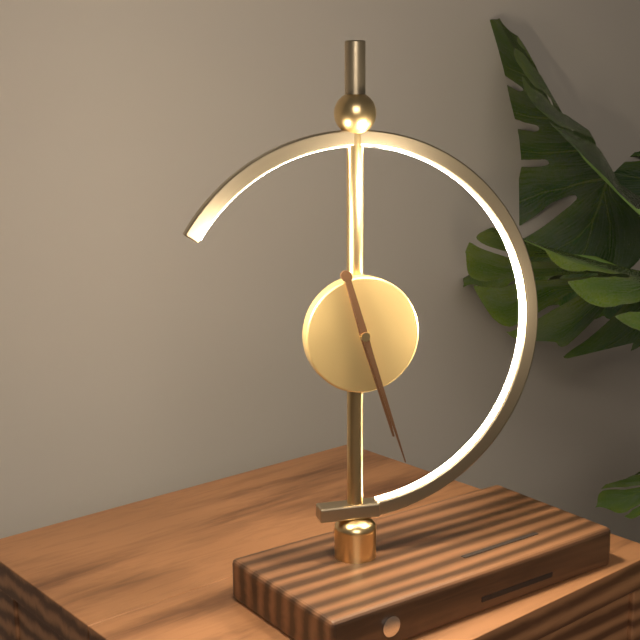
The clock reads **5:27**
